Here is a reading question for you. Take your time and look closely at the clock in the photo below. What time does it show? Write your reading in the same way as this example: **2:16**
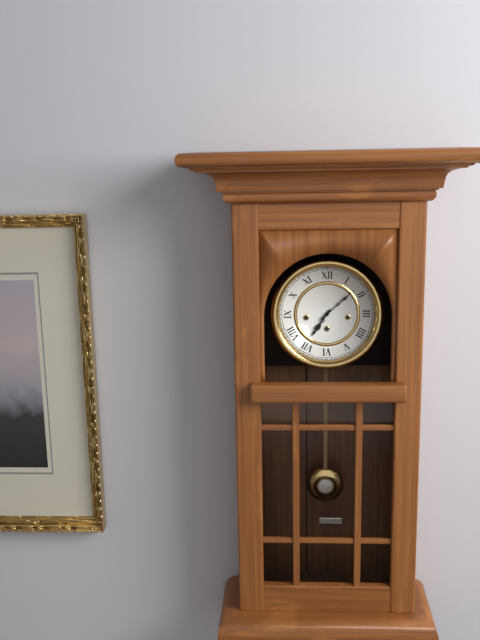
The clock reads **7:08**
